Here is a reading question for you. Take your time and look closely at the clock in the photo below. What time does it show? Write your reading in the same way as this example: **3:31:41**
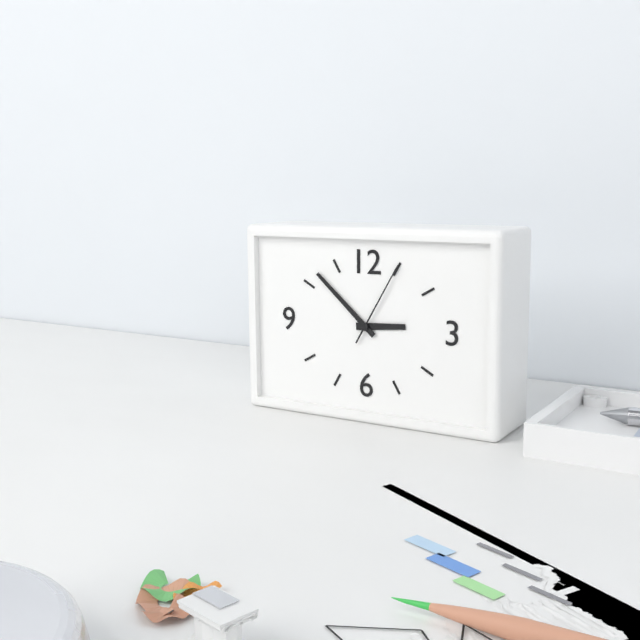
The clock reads **2:52:05**
